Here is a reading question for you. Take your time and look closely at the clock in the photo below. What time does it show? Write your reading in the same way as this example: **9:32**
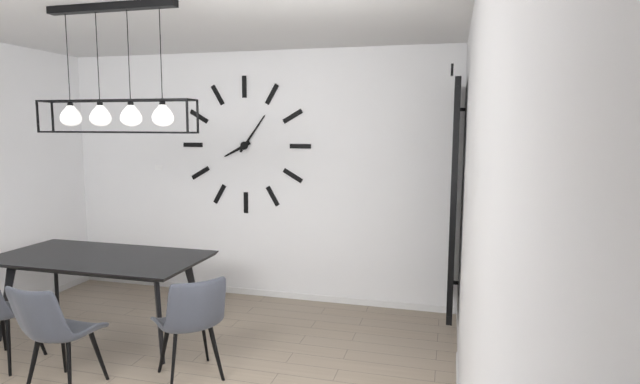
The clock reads **8:06**
